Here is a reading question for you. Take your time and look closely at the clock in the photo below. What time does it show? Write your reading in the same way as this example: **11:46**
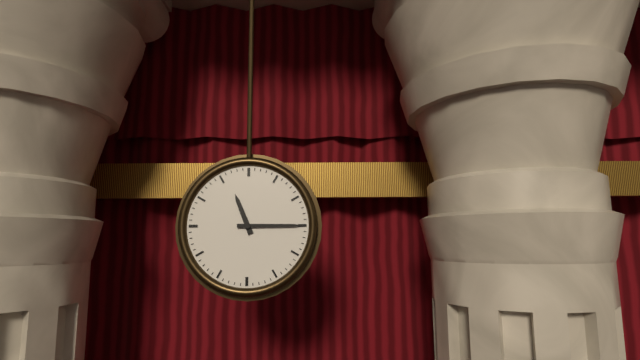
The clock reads **11:15**
